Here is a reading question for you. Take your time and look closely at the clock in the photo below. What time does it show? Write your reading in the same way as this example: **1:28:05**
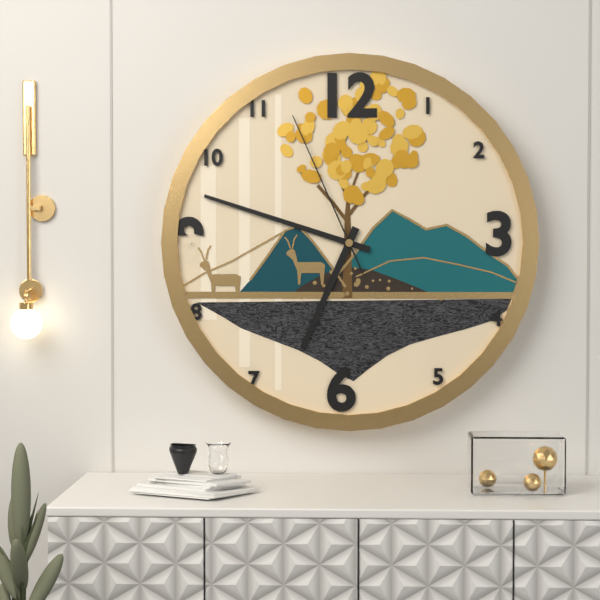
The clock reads **6:48:56**
